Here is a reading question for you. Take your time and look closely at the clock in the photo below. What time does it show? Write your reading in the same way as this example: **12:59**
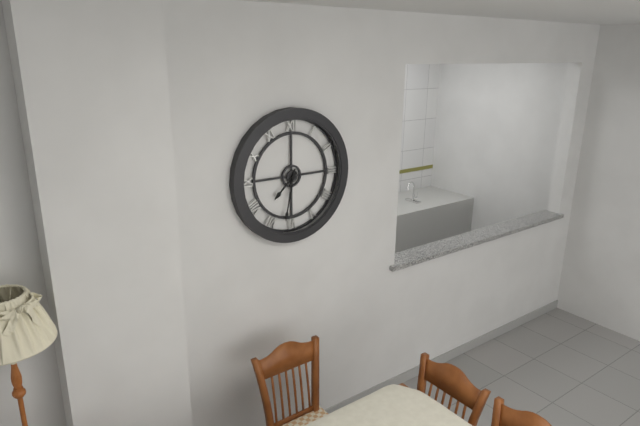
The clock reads **7:32**
